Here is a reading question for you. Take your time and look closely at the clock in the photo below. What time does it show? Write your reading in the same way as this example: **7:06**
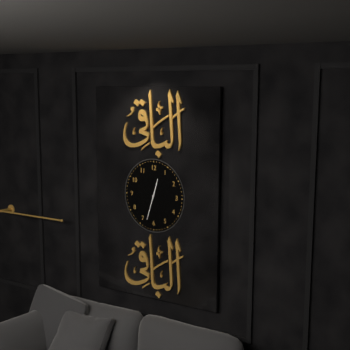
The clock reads **12:33**
